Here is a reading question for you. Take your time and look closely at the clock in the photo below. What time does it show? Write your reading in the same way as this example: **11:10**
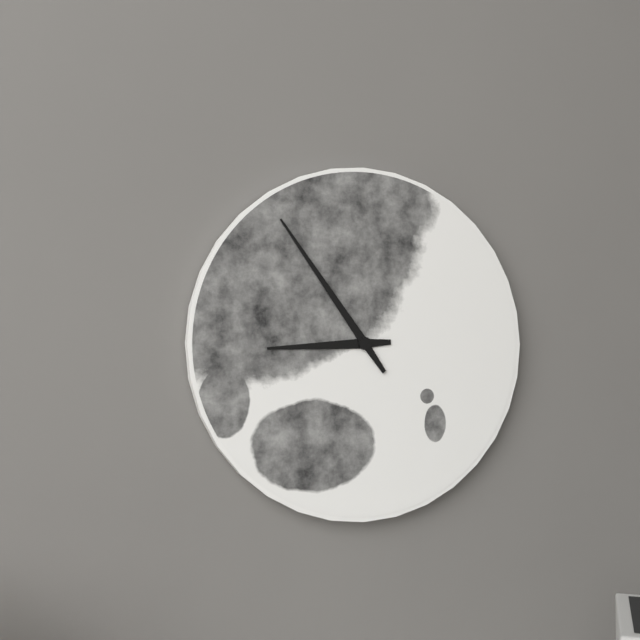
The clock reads **8:54**
